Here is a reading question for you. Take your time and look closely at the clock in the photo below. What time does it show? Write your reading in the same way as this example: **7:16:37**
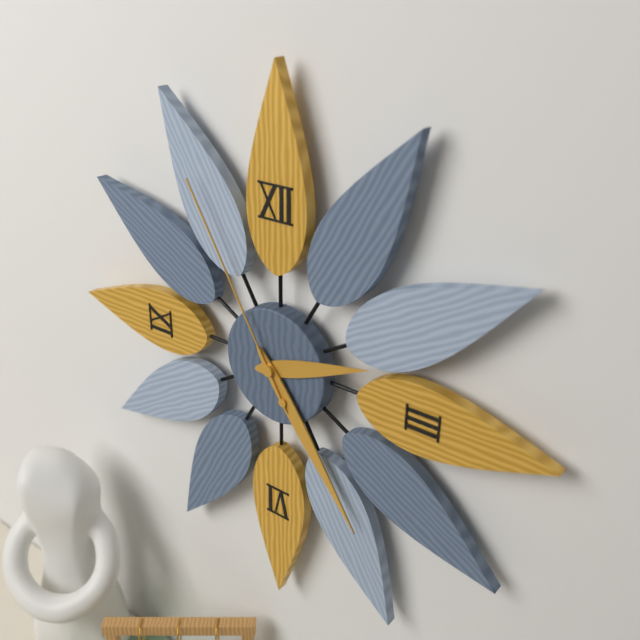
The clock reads **2:24:55**
